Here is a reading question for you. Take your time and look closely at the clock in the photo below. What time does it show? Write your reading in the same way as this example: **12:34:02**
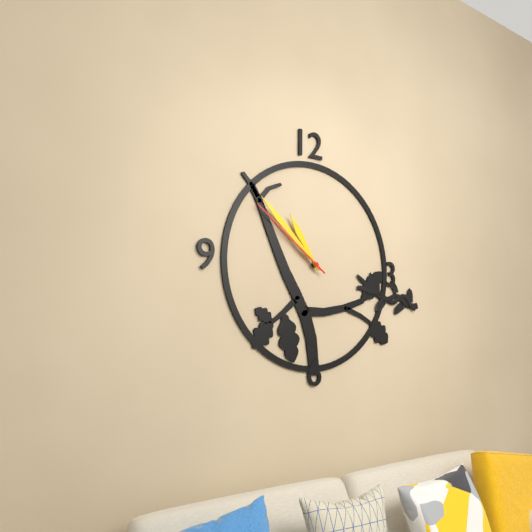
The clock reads **10:52:51**
